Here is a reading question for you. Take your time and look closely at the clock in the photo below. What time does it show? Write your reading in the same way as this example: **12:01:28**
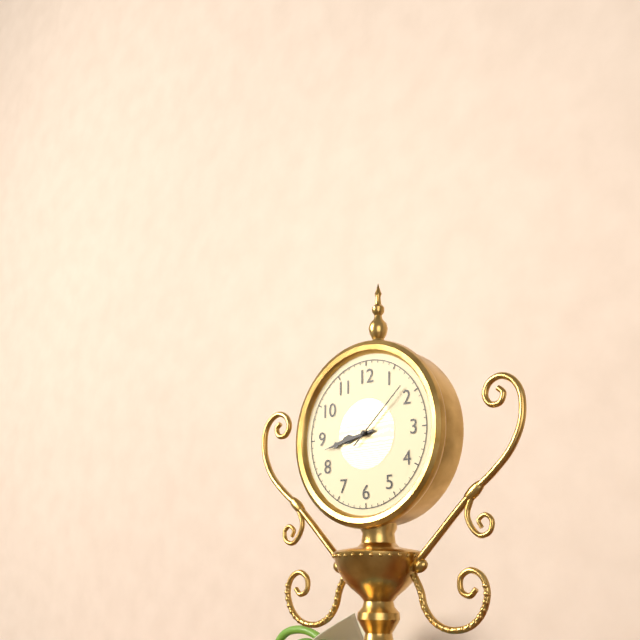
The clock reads **8:43:08**
